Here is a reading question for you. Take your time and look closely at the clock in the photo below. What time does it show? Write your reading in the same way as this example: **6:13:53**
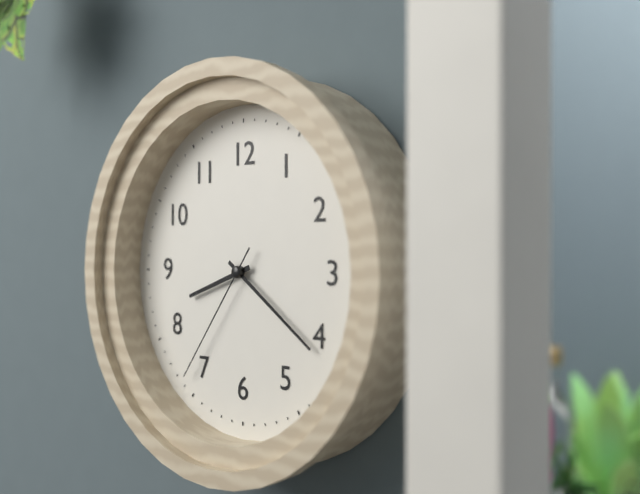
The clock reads **8:21:36**
